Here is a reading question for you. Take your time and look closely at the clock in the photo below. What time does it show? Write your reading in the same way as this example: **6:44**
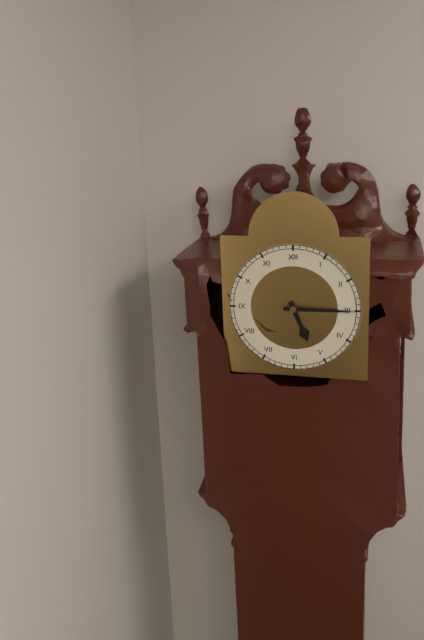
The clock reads **5:15**
